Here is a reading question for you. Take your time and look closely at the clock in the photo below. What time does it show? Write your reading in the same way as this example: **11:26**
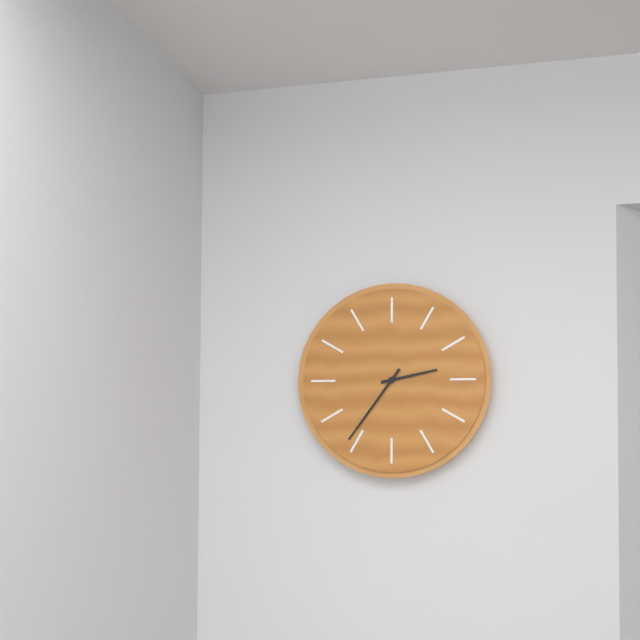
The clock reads **2:36**
